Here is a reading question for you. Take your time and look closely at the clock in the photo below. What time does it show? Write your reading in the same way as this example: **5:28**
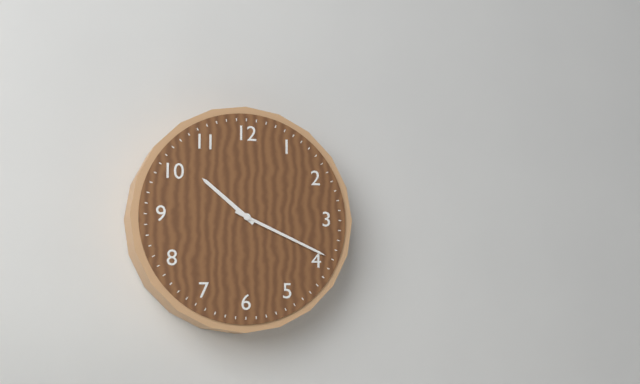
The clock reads **10:19**
